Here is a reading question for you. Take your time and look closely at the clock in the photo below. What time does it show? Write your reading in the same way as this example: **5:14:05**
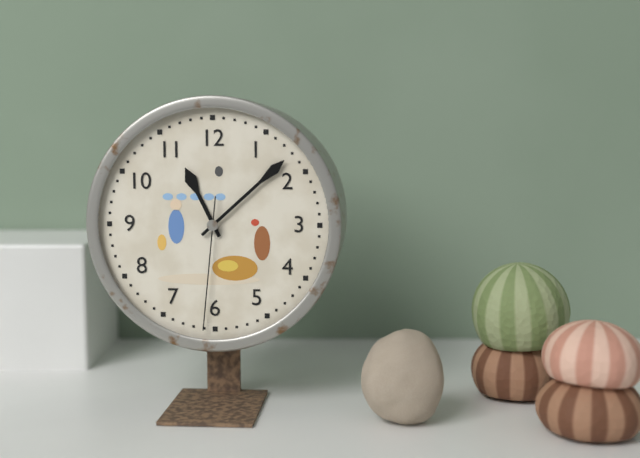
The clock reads **11:08:31**
